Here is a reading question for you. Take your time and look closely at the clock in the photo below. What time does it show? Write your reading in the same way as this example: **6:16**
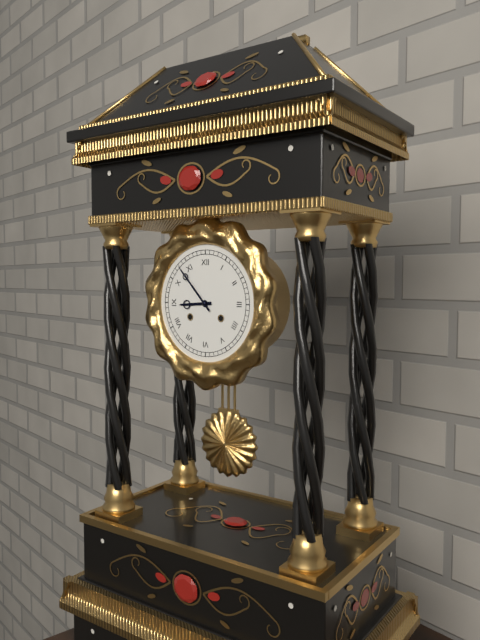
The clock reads **8:53**
